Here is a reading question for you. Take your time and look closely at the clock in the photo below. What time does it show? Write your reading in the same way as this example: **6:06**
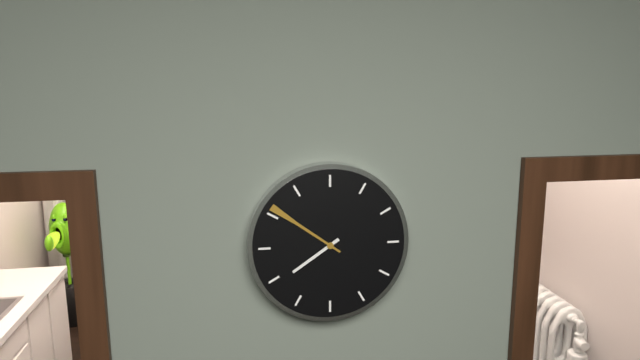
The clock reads **7:51**
